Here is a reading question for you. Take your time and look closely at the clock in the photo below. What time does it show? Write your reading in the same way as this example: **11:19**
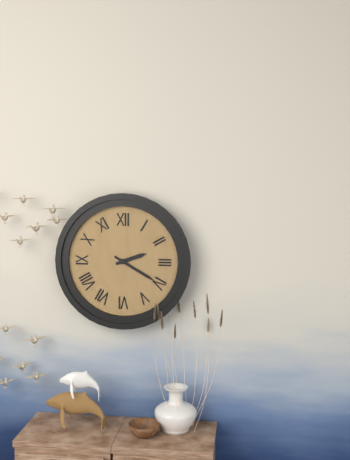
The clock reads **2:20**
